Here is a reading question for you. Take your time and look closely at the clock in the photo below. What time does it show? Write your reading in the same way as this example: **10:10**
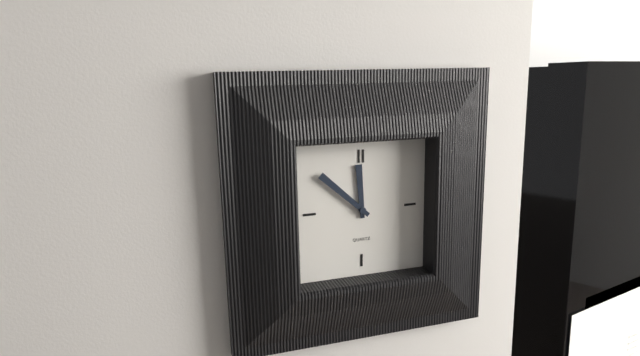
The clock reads **11:52**
